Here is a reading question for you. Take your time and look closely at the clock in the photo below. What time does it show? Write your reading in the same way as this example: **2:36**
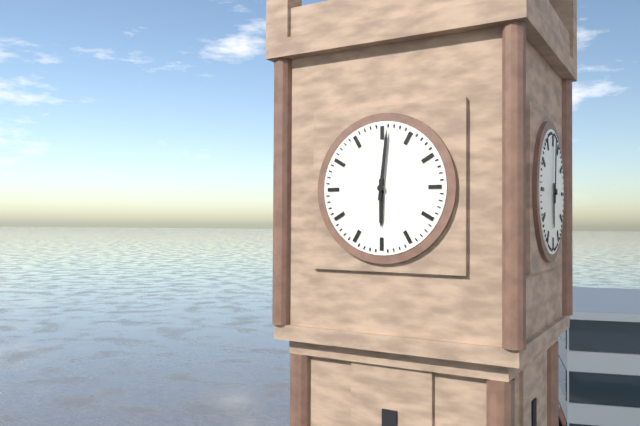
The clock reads **6:01**
